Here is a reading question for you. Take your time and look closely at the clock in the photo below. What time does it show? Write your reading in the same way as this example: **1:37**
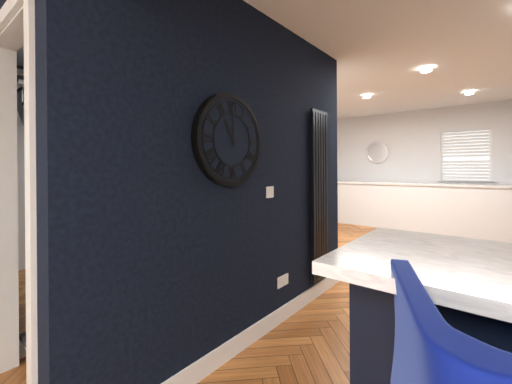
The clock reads **11:00**
